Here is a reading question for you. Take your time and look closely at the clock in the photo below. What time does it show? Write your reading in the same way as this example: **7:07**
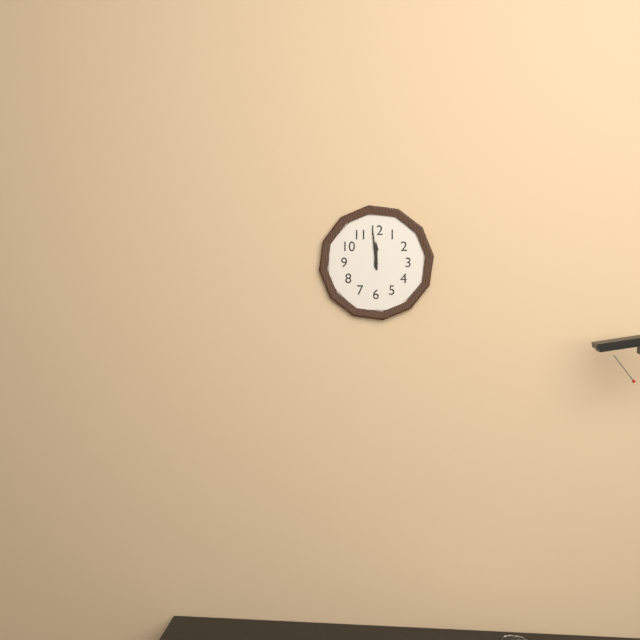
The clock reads **11:59**
